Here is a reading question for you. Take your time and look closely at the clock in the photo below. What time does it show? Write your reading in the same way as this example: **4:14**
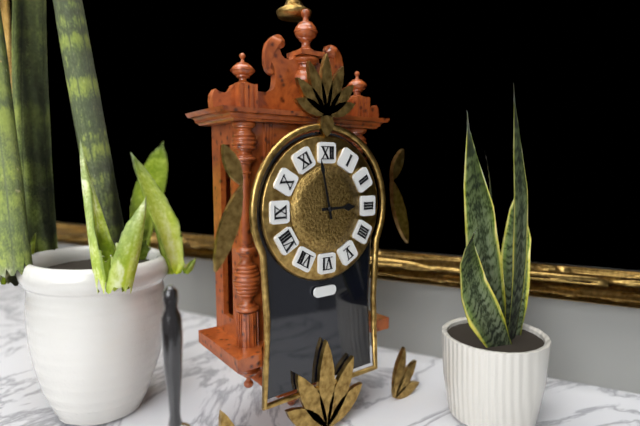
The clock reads **2:58**
